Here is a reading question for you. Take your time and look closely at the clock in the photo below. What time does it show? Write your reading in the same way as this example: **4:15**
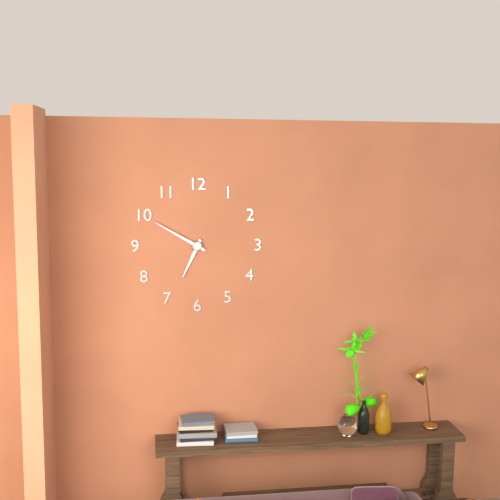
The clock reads **6:50**
